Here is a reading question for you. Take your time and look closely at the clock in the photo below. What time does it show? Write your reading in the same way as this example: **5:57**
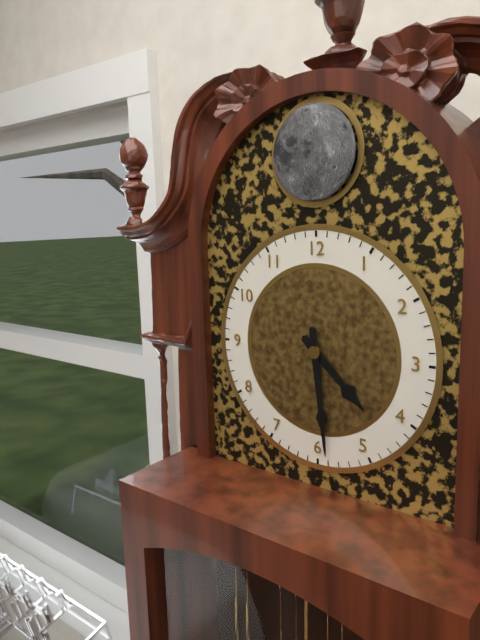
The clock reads **4:29**
